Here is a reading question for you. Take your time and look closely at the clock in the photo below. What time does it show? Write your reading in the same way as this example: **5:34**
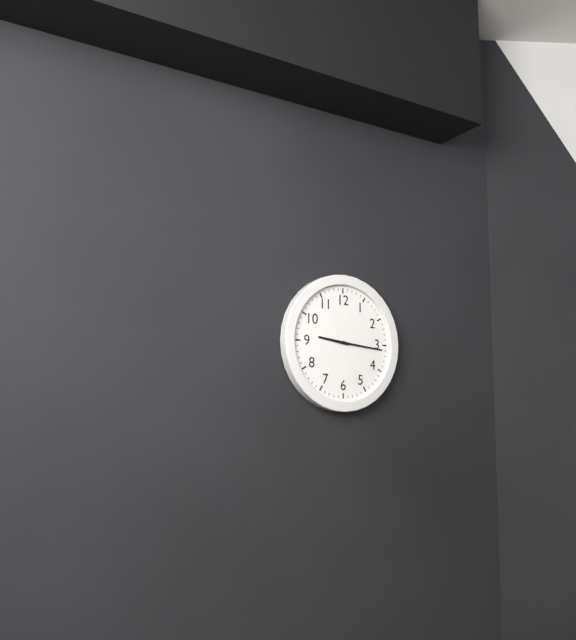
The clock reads **9:16**
